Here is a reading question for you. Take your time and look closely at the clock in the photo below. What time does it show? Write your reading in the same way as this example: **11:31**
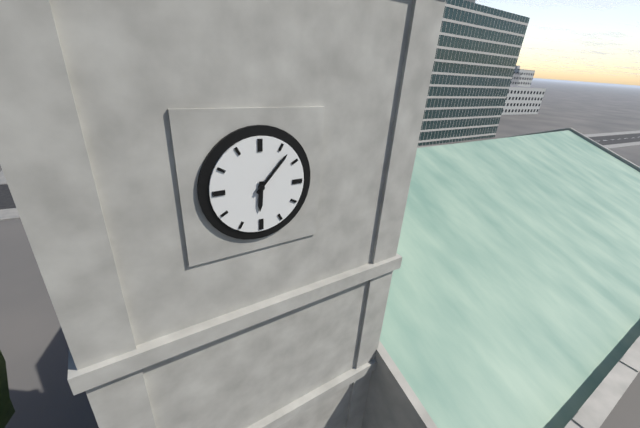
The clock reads **6:07**
